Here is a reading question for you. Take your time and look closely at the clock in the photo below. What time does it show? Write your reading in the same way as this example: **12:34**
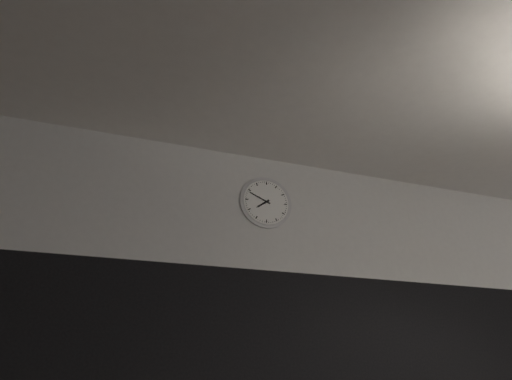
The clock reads **7:49**
